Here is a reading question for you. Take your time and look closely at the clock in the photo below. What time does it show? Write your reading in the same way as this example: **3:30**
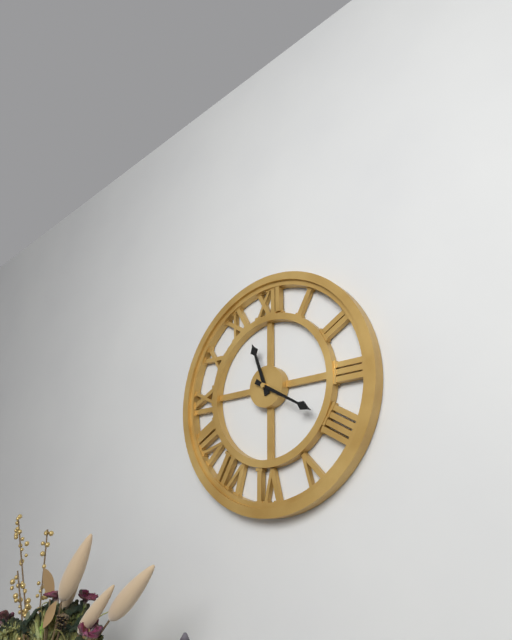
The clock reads **11:20**
